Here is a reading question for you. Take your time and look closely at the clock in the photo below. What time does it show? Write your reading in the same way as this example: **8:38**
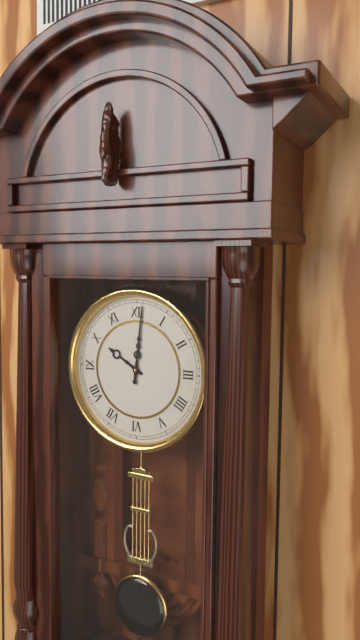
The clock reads **10:01**
